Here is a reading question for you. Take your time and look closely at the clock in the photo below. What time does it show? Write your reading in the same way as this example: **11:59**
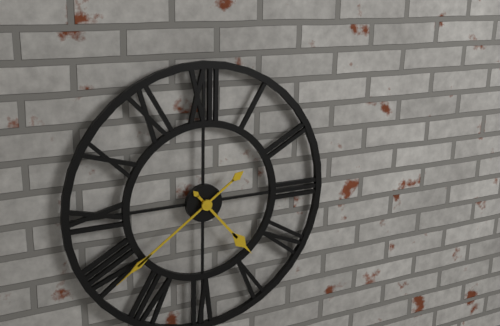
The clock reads **4:39**
